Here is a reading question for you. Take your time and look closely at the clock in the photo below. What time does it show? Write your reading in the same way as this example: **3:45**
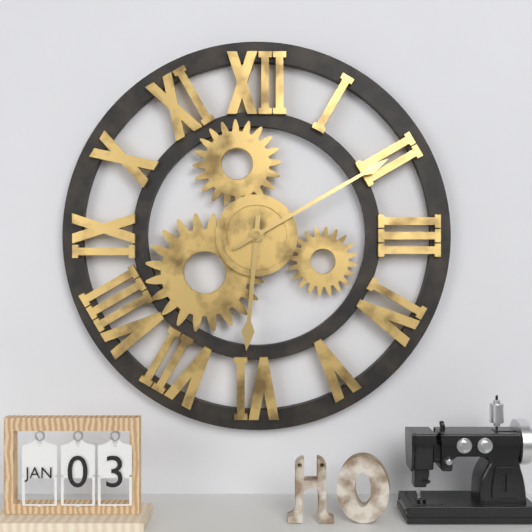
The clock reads **6:10**
